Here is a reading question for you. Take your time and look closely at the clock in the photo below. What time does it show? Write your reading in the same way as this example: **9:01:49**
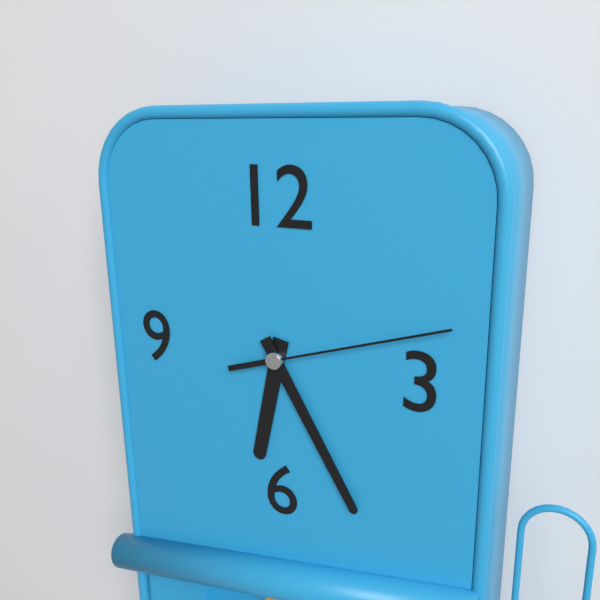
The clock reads **6:25:12**
